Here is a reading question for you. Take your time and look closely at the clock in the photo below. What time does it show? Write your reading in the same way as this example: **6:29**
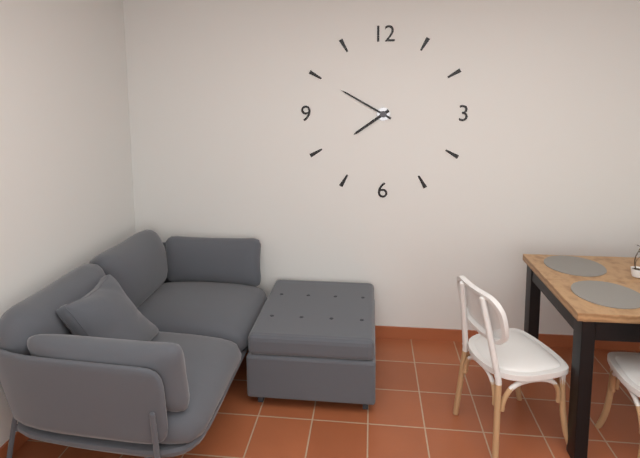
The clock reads **7:50**
